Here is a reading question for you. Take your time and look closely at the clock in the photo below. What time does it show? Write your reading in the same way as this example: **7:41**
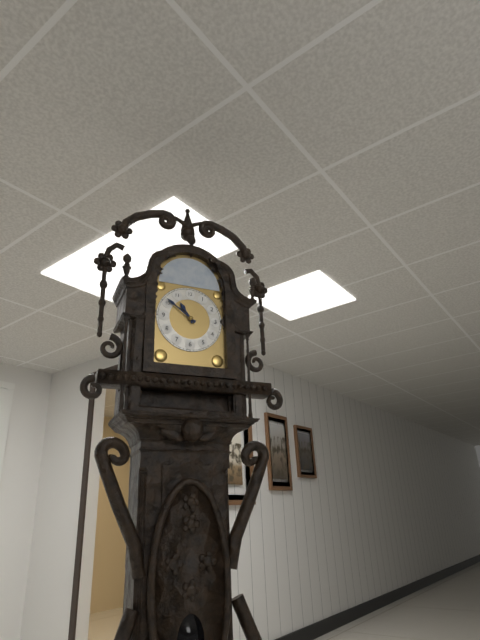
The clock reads **10:51**
